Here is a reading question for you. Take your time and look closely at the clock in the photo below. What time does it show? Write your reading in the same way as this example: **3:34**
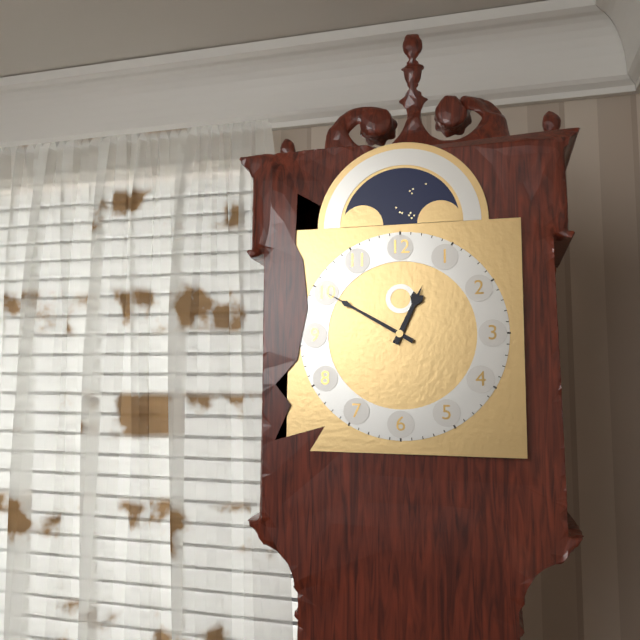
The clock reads **12:50**
